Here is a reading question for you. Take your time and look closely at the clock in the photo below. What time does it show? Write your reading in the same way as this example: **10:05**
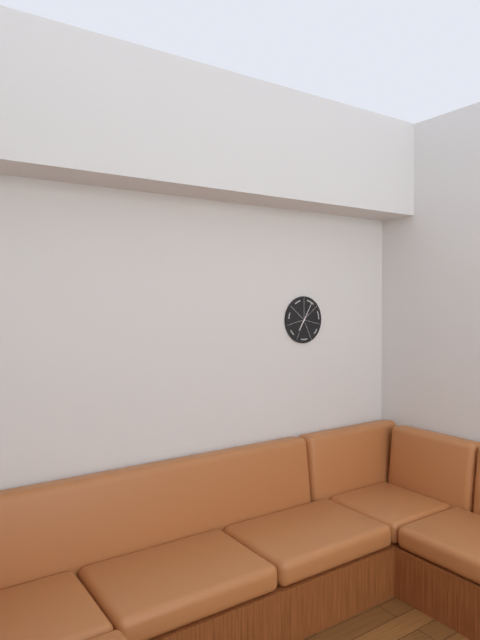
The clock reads **7:05**
